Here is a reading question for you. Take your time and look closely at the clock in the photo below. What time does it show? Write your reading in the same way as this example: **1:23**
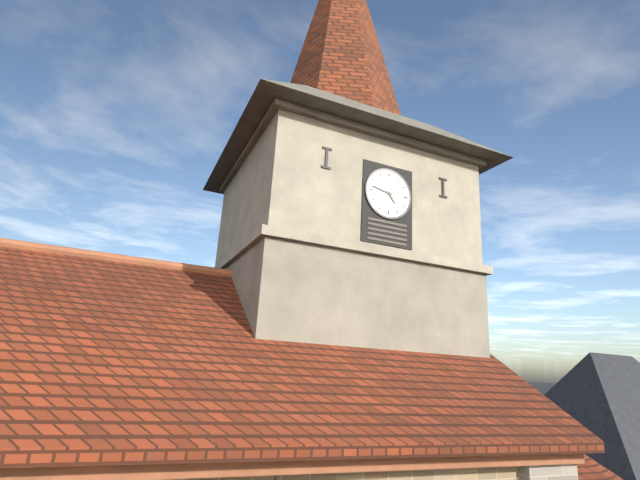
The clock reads **4:47**
